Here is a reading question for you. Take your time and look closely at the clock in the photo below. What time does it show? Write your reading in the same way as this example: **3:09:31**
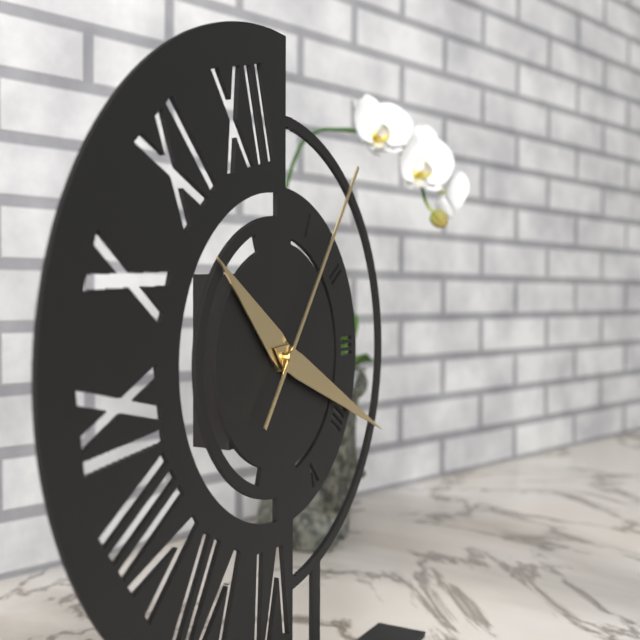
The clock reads **10:19:06**
